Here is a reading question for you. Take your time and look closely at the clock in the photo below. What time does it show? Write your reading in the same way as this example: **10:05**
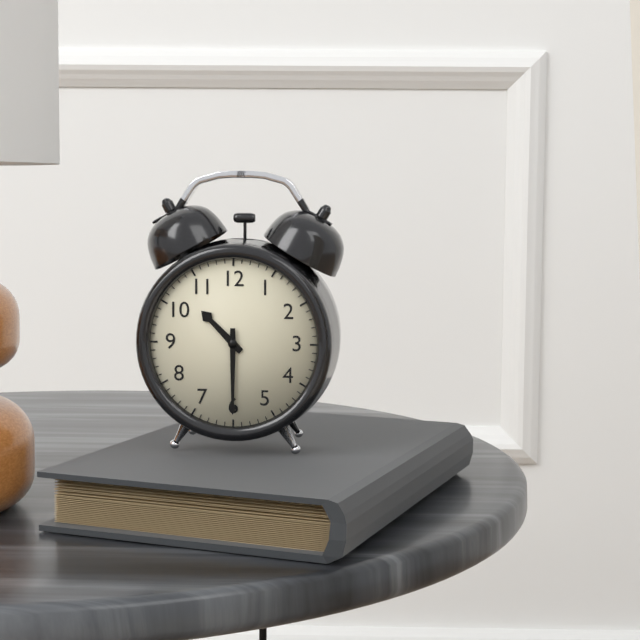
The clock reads **10:30**
